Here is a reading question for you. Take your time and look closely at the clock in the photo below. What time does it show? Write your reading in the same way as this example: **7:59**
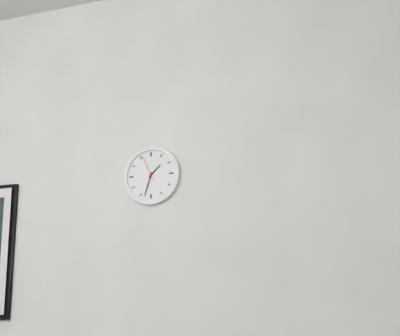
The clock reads **1:33**
